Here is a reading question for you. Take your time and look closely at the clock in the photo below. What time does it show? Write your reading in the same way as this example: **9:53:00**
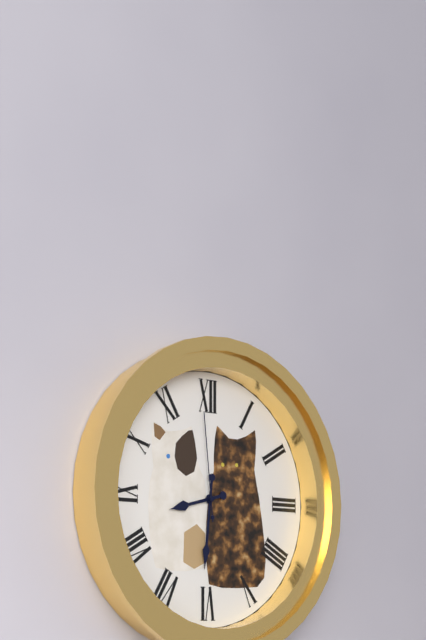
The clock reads **8:31:59**
